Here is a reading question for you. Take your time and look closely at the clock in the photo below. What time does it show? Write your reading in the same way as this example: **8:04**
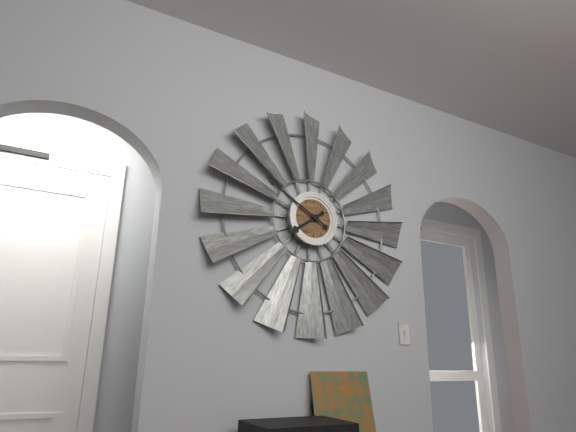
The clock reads **7:50**
